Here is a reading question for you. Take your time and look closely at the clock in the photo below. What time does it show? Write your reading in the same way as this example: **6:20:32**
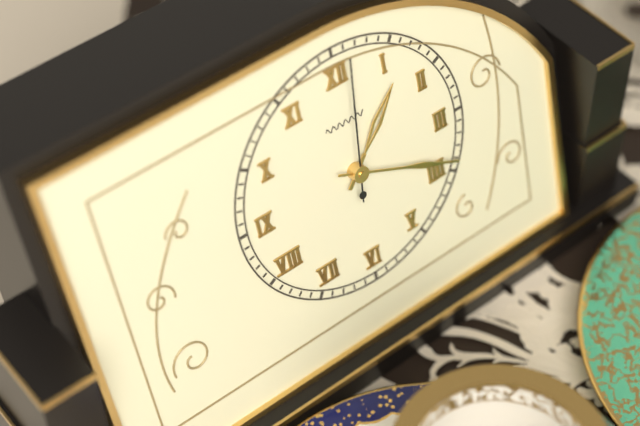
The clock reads **1:19:01**
